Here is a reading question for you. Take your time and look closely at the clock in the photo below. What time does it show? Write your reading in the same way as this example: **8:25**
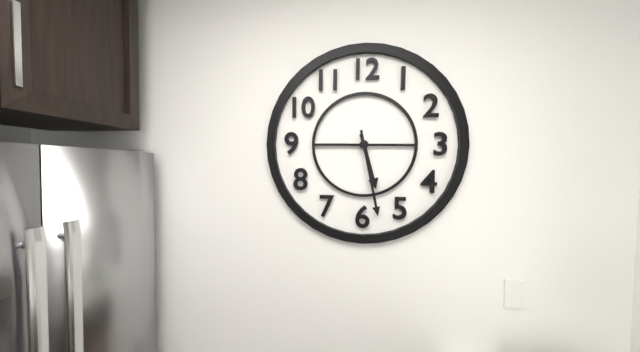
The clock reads **5:28**
